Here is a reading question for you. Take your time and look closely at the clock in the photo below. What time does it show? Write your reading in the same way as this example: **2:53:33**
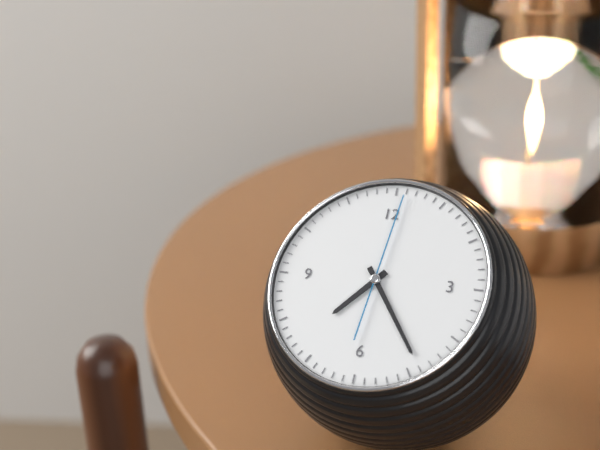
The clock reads **7:24:01**
